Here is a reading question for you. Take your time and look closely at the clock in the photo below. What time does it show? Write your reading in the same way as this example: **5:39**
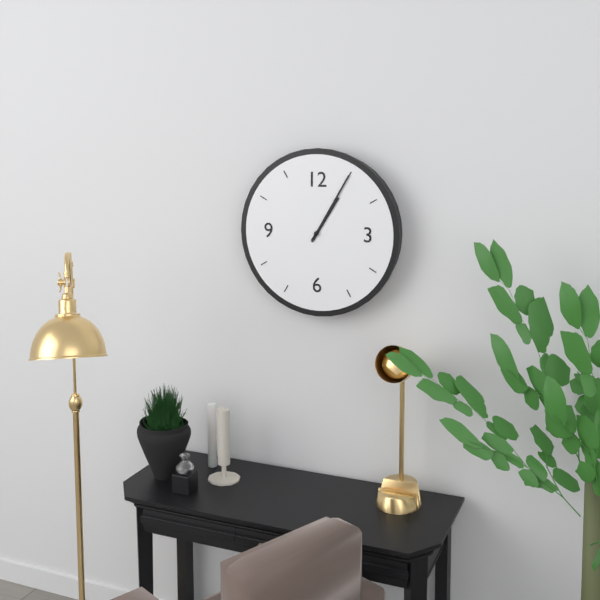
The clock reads **1:05**
